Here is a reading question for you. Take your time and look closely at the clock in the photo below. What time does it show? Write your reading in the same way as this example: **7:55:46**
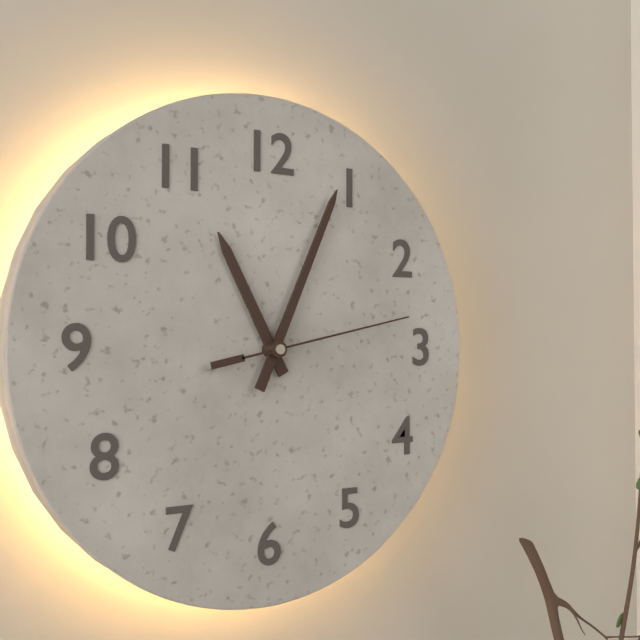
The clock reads **11:04:13**
